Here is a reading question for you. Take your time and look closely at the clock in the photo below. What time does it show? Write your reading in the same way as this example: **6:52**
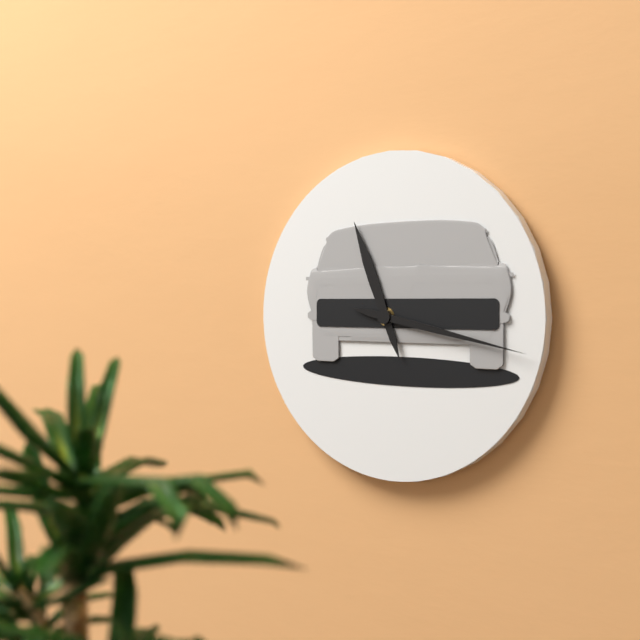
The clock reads **11:17**
